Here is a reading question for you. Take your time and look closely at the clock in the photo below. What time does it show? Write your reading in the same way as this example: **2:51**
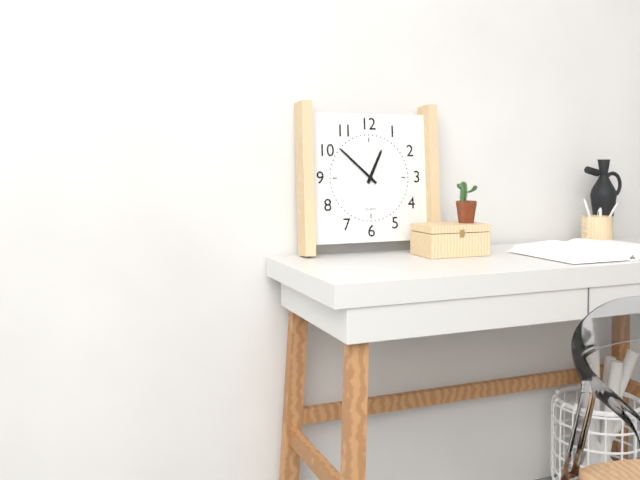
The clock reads **12:52**
